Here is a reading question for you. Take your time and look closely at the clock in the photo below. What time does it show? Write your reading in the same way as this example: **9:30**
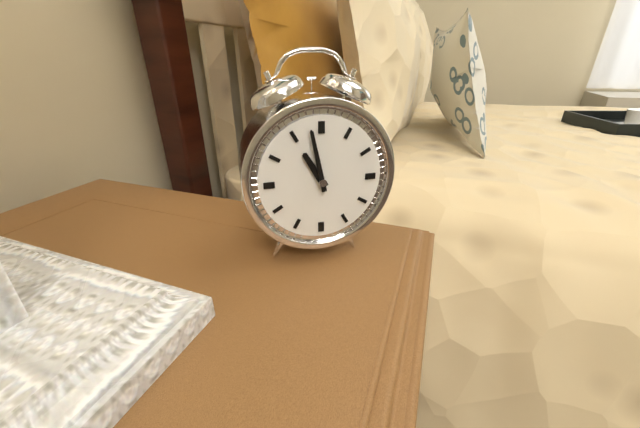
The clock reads **10:58**
